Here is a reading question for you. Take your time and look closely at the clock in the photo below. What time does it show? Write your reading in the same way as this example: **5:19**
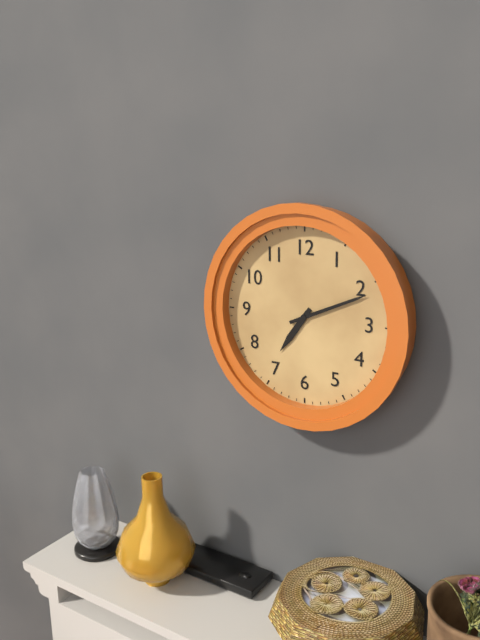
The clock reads **7:11**
